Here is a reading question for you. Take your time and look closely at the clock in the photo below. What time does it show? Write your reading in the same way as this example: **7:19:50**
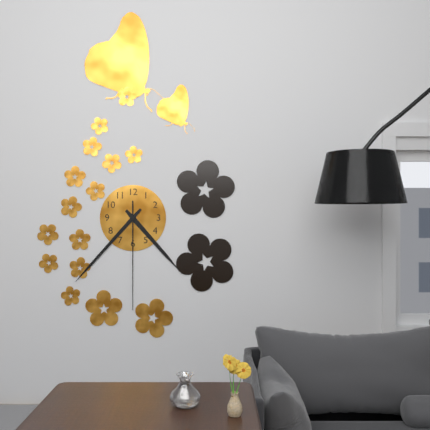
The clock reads **4:37:30**
